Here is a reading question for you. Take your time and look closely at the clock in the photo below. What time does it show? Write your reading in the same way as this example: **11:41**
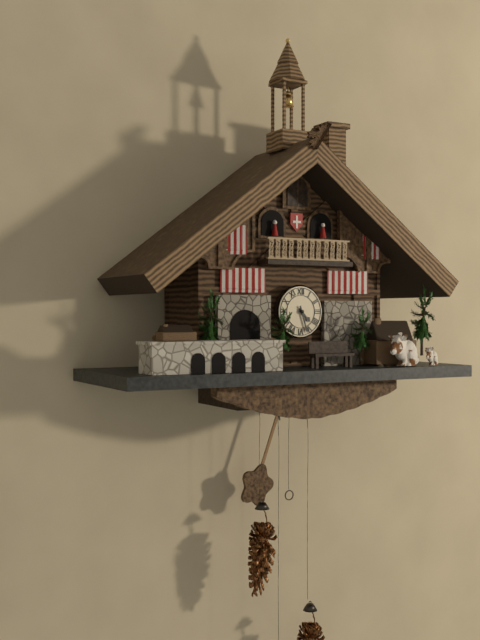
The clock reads **4:27**
